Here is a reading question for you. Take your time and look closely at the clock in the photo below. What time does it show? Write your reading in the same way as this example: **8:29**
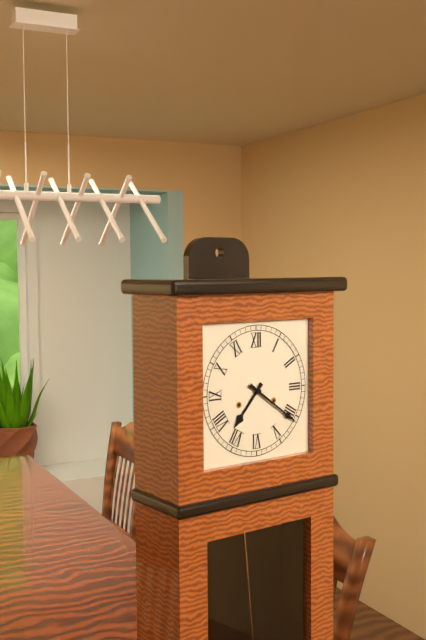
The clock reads **7:21**
